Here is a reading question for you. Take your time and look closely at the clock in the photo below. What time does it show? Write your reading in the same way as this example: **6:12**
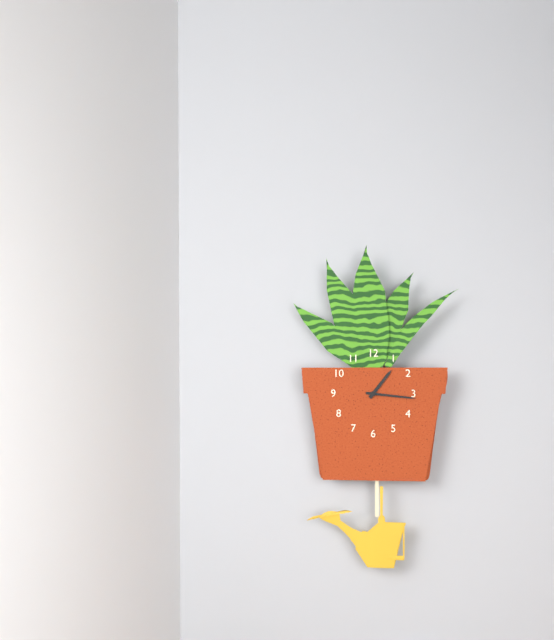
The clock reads **1:16**
